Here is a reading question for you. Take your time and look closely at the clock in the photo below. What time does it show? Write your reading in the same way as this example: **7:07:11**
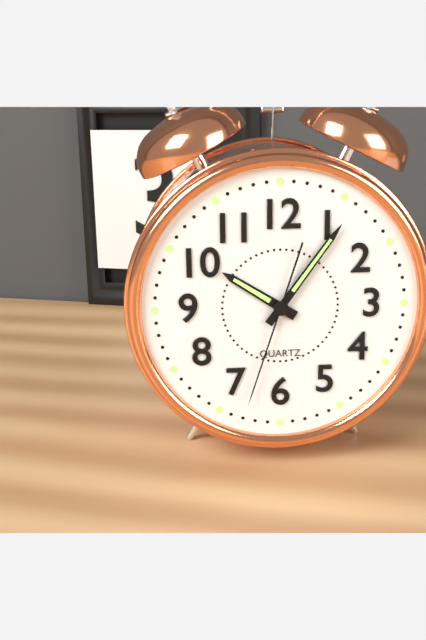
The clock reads **10:06:33**
